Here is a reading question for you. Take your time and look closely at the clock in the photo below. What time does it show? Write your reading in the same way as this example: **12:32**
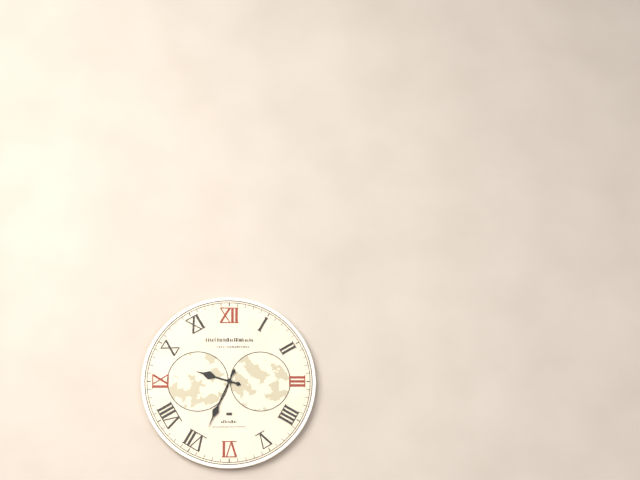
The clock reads **9:34**
